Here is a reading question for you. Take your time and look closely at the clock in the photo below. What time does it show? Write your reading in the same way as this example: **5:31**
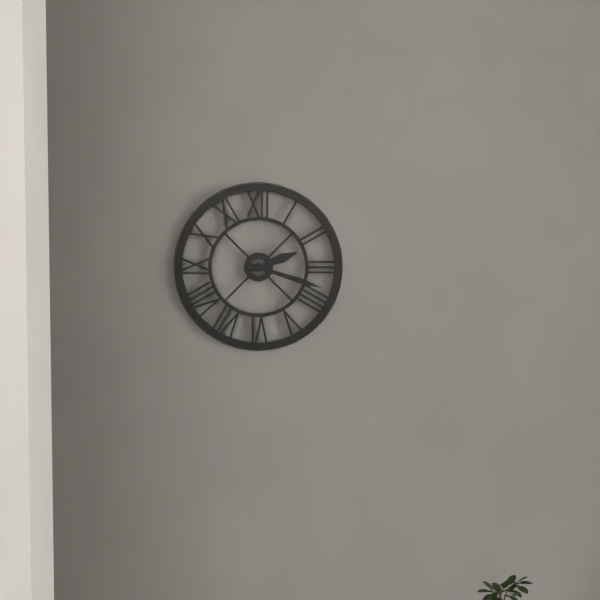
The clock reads **2:18**
